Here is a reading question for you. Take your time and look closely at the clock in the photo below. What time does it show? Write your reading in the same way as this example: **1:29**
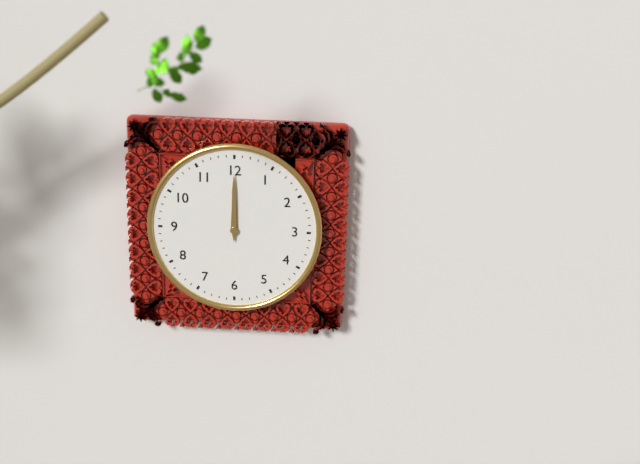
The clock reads **12:00**
